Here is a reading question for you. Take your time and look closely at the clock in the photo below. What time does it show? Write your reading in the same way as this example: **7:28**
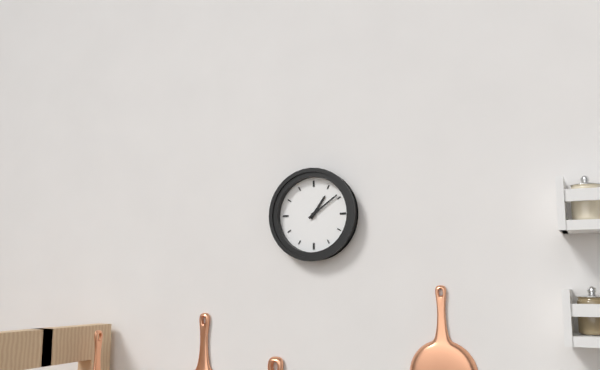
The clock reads **1:09**
